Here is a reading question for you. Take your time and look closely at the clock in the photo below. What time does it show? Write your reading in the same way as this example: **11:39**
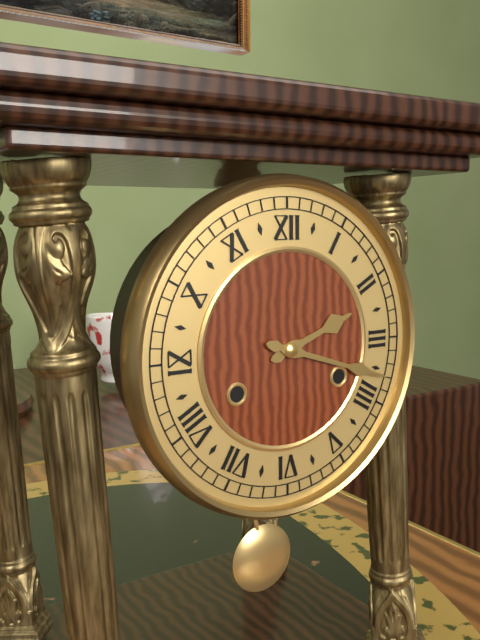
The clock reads **2:18**
